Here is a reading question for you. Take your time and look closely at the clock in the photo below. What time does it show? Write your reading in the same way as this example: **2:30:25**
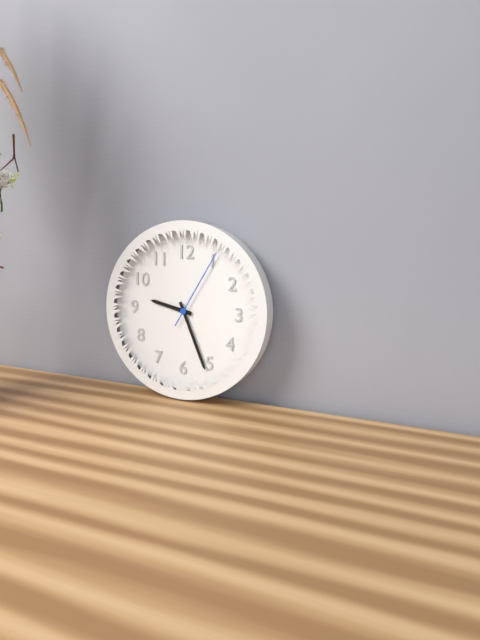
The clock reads **9:26:05**
